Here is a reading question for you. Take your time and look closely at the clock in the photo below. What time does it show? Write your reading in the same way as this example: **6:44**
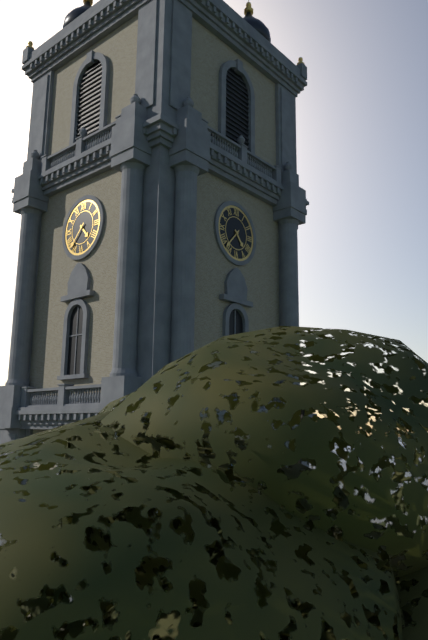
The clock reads **4:37**
